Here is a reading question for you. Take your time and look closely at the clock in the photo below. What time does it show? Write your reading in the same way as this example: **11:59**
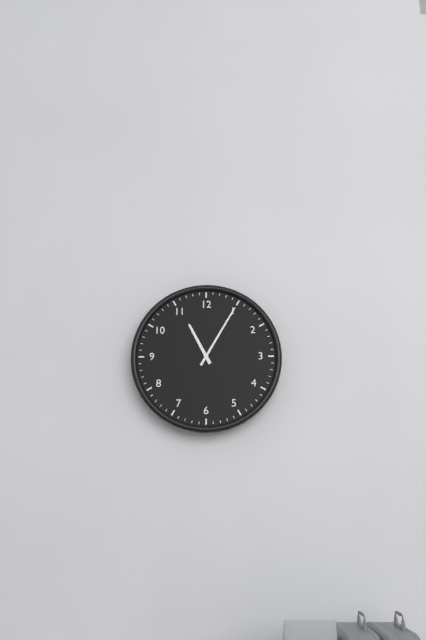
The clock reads **11:05**
